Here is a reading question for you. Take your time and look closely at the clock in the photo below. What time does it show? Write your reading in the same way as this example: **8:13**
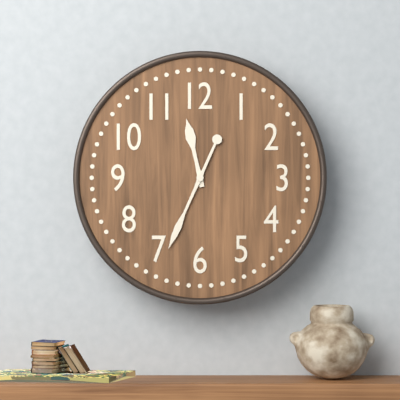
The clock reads **11:34**
